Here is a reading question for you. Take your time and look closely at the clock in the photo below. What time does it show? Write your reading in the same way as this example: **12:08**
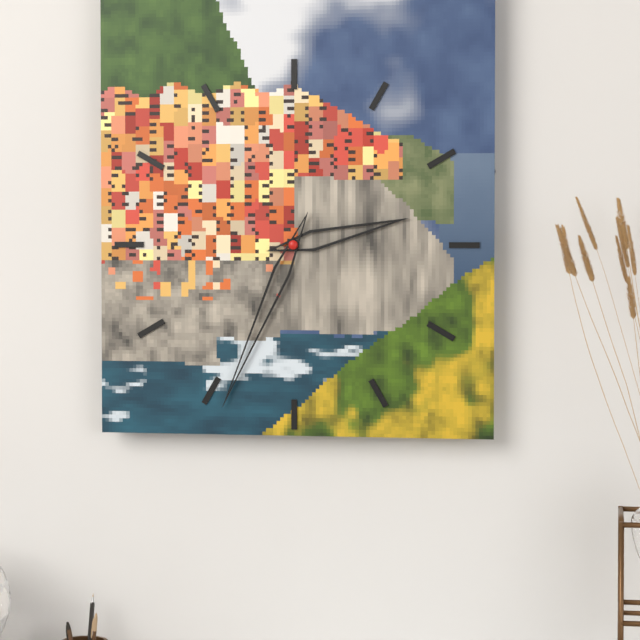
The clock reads **2:34**
